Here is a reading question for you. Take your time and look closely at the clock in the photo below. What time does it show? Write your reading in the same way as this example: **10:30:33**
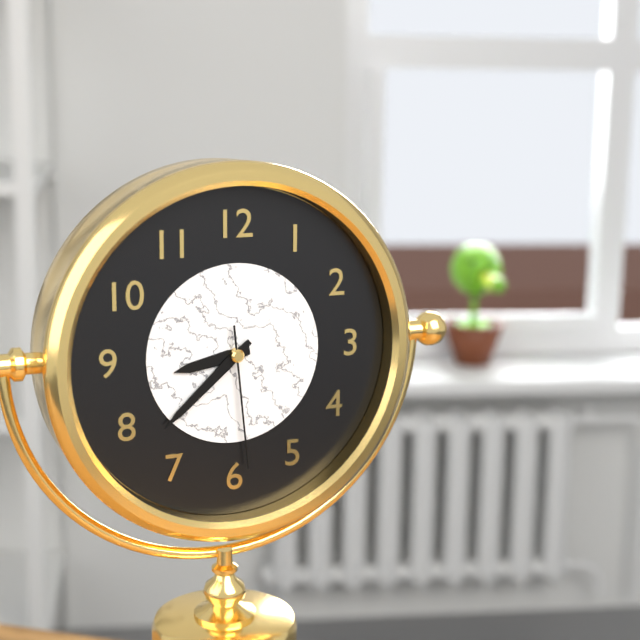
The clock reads **8:38:29**
